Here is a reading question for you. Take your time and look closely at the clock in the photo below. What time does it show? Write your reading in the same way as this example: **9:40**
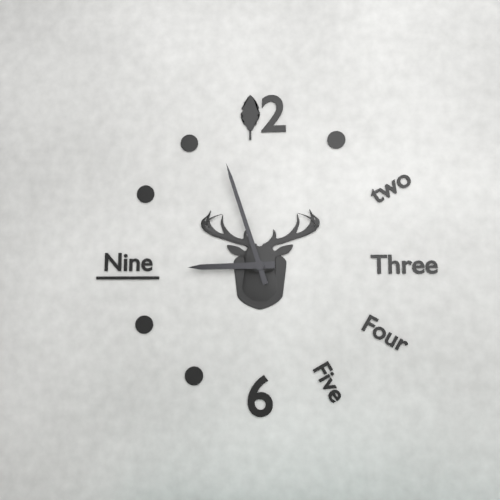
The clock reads **8:57**
